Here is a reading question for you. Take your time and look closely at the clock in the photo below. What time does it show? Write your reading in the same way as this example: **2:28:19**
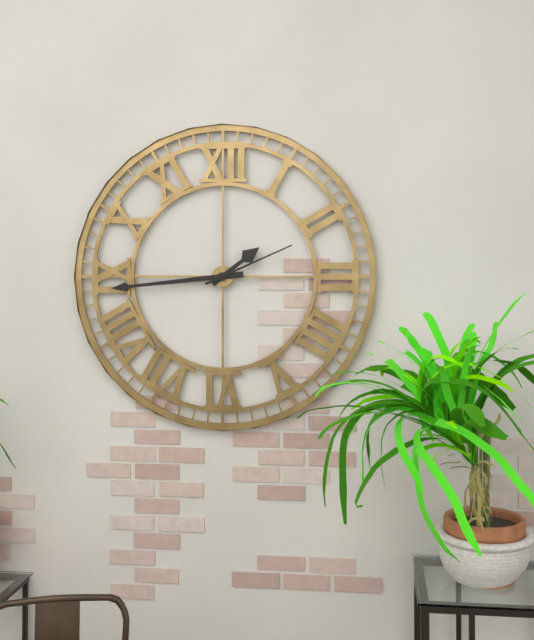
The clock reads **1:44:11**
